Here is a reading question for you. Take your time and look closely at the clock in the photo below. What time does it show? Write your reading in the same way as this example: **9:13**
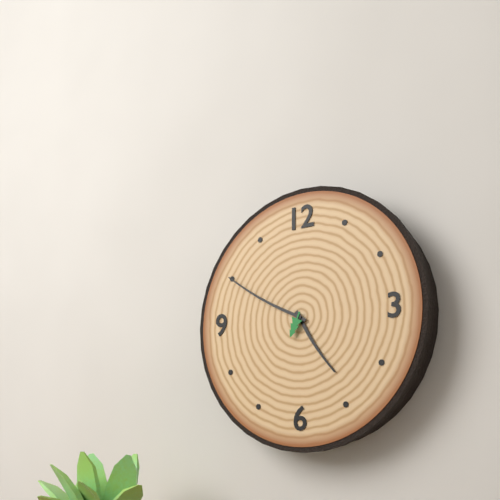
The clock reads **4:50**
